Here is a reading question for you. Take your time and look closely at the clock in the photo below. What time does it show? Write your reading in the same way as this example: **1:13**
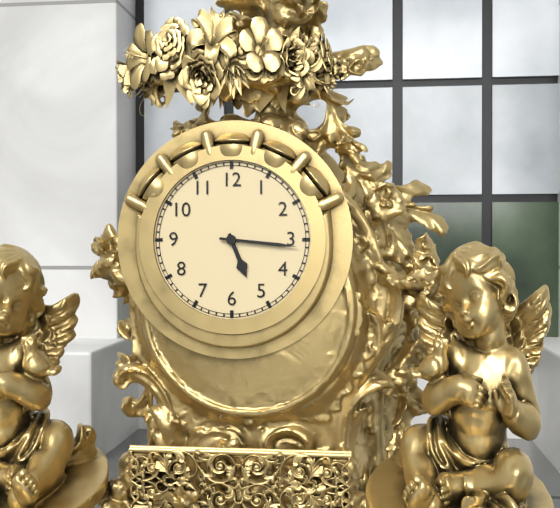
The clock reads **5:16**
